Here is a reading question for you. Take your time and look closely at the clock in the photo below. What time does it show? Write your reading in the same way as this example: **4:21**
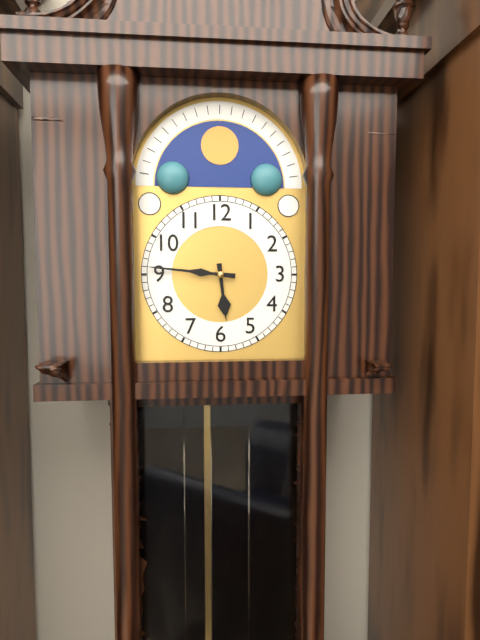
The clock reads **5:46**
